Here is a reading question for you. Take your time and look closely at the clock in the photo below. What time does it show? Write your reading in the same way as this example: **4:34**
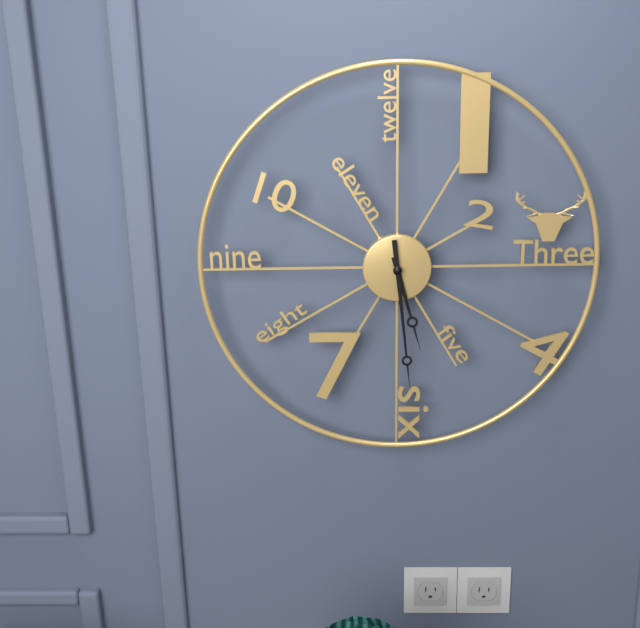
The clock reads **5:29**
